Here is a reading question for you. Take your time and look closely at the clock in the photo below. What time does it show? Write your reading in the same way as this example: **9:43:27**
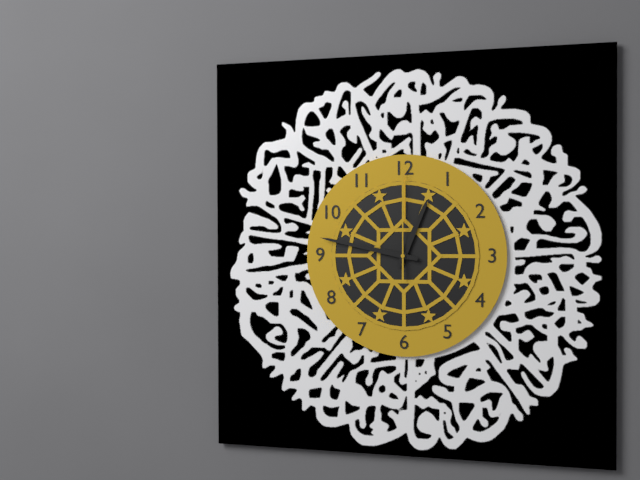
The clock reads **12:47:00**
